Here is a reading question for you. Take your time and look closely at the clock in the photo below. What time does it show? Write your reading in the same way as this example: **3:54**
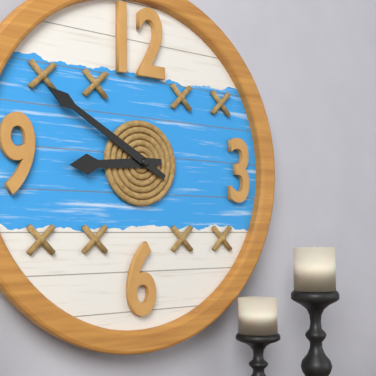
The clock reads **8:50**
